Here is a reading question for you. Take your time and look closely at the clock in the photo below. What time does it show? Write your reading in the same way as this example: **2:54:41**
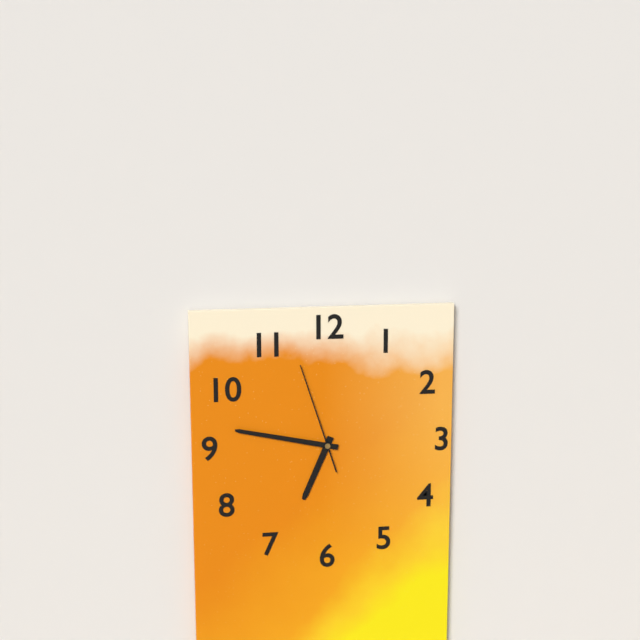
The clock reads **6:47:57**
